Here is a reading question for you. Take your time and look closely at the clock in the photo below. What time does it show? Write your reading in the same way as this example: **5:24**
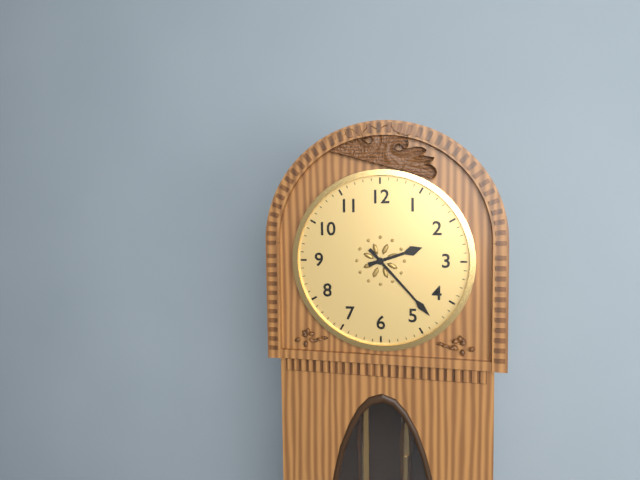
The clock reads **2:23**
